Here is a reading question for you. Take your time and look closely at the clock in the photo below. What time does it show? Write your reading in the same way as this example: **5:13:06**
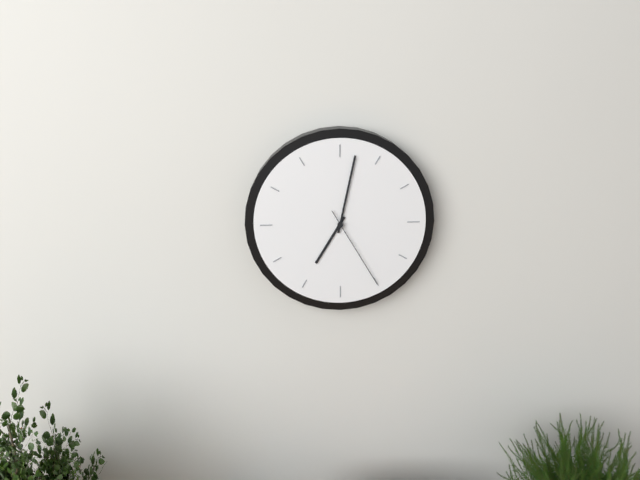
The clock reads **7:02:25**
